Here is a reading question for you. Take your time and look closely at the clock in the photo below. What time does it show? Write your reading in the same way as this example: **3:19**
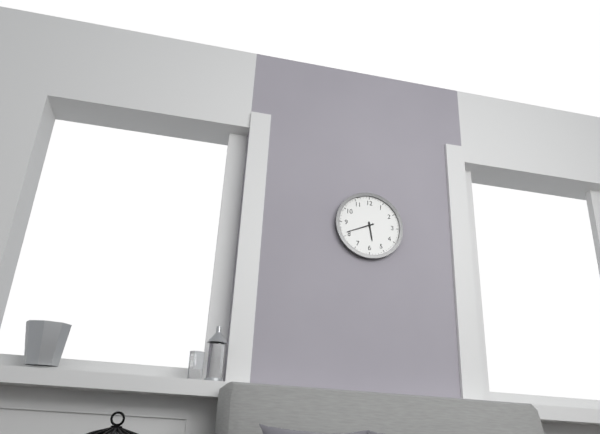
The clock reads **5:41**
